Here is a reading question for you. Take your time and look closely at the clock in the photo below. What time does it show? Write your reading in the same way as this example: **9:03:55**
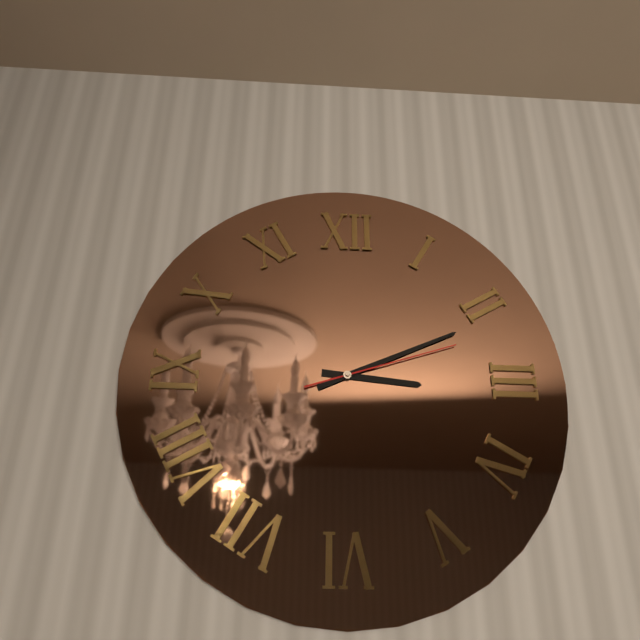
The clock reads **3:11:12**
